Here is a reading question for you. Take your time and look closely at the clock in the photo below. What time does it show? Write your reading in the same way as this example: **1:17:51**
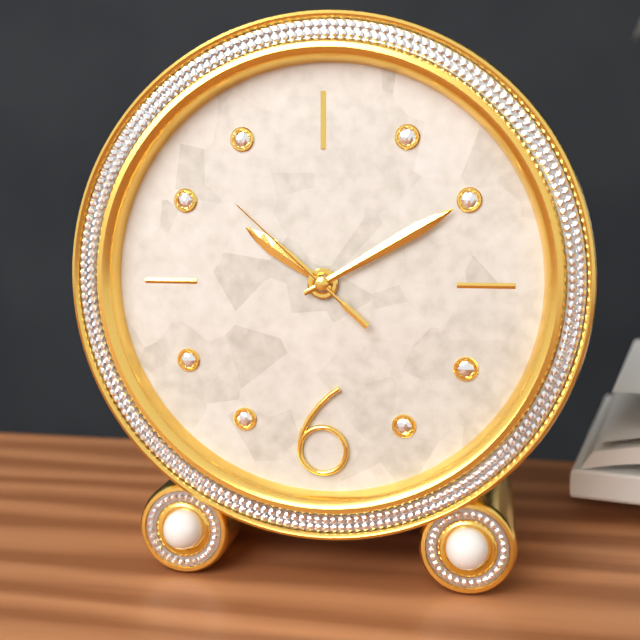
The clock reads **10:10:52**
